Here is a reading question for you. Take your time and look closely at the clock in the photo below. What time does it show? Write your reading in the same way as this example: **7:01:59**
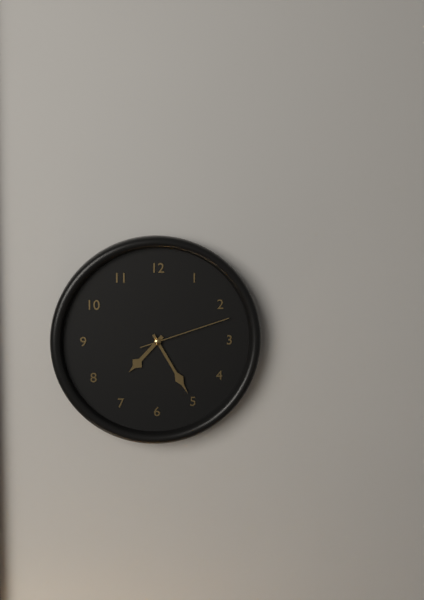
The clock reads **7:25:12**
